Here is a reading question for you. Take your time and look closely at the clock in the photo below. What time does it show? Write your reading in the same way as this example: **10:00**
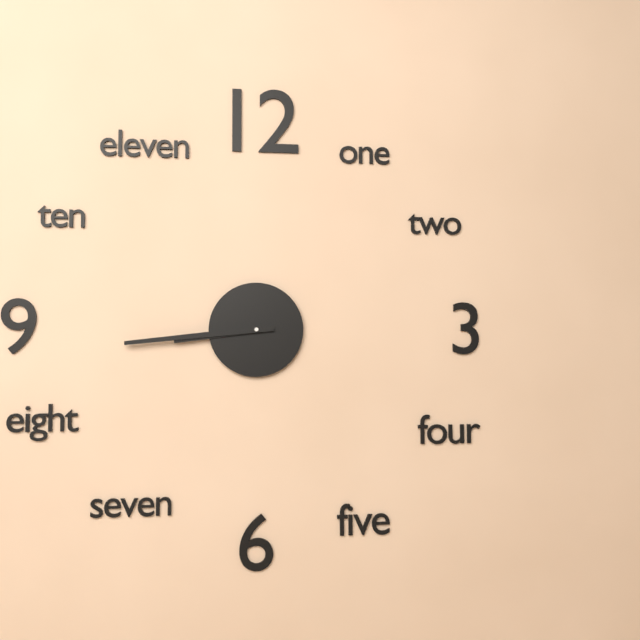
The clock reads **8:44**
